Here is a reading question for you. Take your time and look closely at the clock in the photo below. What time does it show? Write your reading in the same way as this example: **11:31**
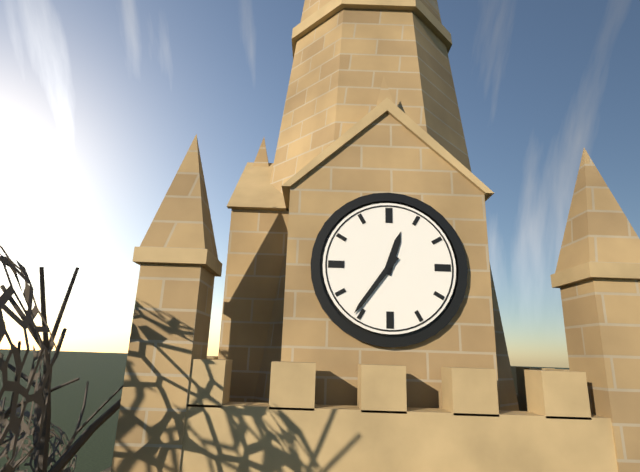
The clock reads **12:36**
